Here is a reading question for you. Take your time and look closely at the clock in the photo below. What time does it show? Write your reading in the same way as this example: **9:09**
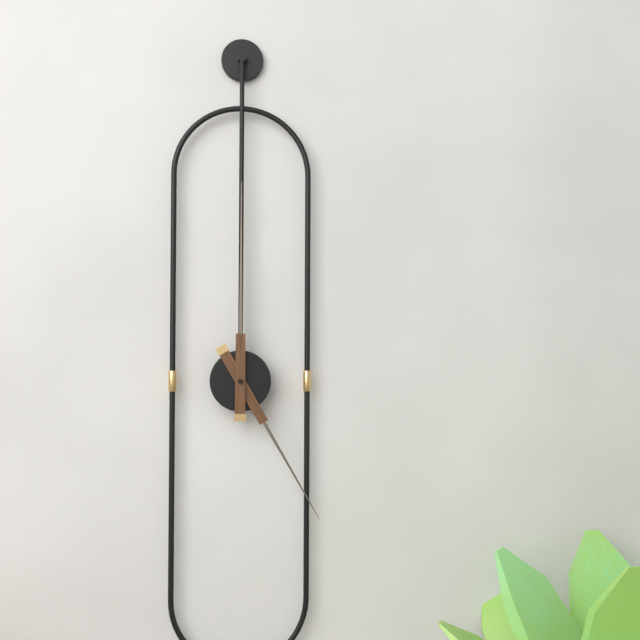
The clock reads **5:00**
